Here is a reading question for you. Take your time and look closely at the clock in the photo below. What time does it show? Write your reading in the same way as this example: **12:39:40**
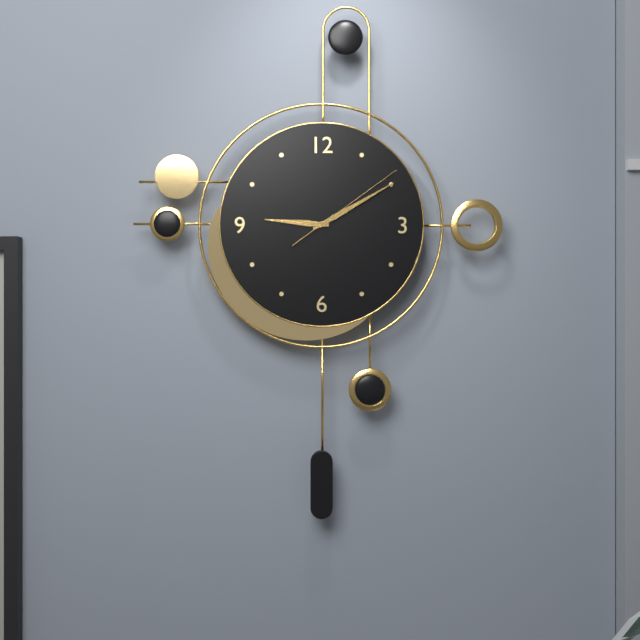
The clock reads **9:10:09**
